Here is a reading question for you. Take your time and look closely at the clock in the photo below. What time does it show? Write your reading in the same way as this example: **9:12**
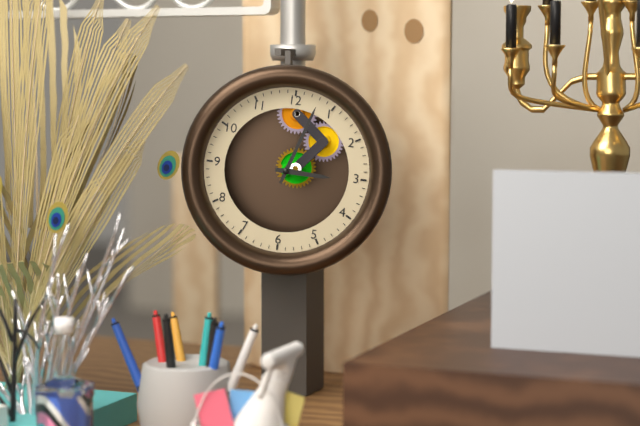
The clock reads **3:03**
